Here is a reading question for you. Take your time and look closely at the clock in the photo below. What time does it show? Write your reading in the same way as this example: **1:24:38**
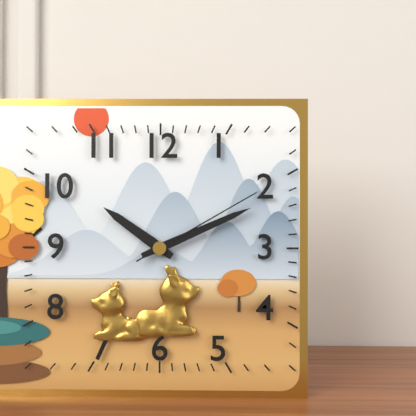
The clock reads **10:11:10**
